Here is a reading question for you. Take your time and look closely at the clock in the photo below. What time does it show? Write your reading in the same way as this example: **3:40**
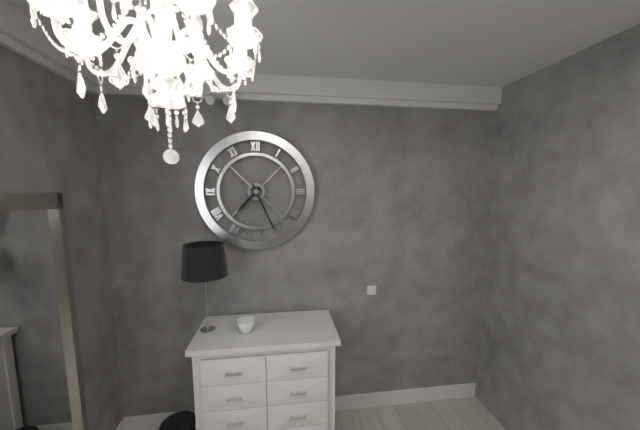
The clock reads **7:26**
